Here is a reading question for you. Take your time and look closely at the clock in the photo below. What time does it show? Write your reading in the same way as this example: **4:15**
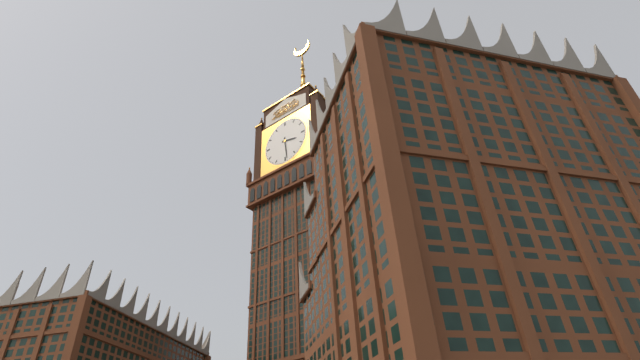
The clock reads **3:29**
